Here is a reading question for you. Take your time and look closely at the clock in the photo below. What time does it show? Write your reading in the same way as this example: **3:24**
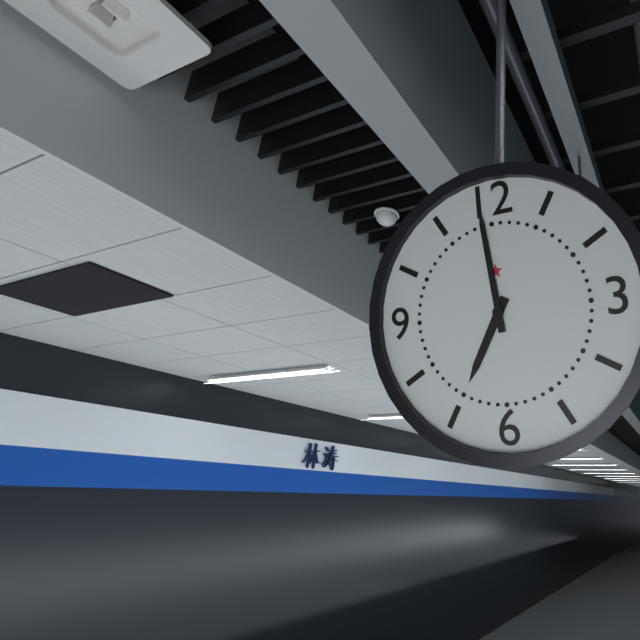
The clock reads **6:59**
